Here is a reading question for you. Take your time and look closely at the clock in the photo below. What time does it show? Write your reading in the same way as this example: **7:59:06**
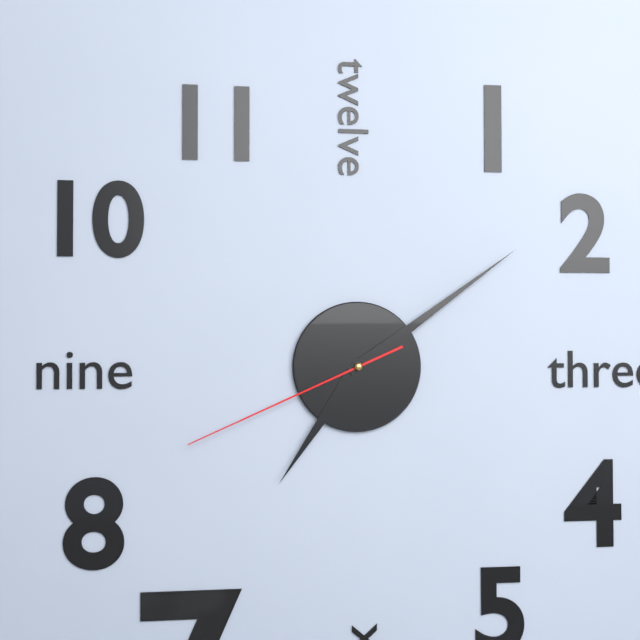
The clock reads **7:09:41**
